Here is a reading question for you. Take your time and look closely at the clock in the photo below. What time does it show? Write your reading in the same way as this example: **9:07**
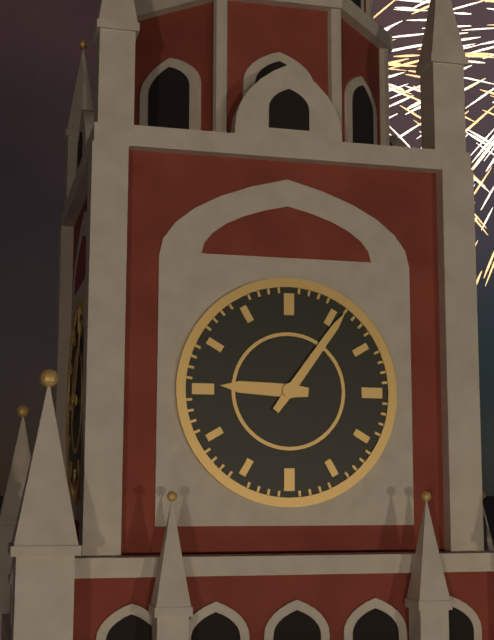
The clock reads **9:06**
